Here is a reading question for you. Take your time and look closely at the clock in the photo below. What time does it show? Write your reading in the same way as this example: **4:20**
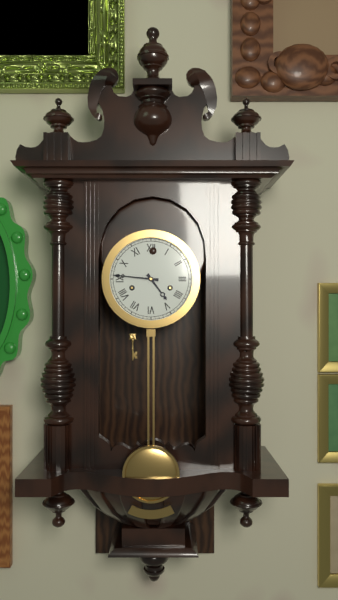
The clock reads **4:46**
